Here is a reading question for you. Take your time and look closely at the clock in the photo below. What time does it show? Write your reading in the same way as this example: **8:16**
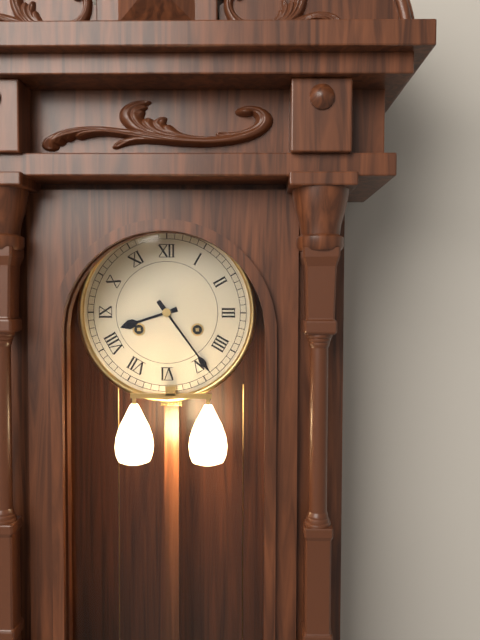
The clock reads **8:24**
